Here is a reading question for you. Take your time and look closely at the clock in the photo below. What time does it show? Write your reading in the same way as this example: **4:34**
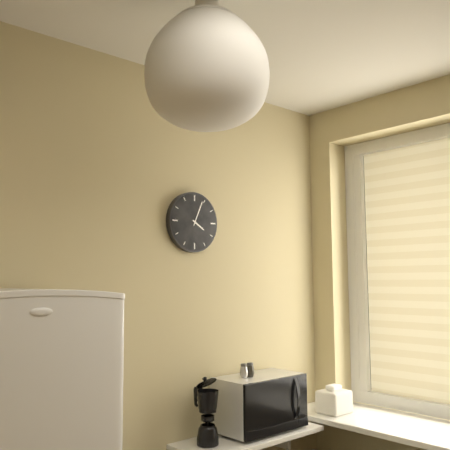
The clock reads **4:04**
